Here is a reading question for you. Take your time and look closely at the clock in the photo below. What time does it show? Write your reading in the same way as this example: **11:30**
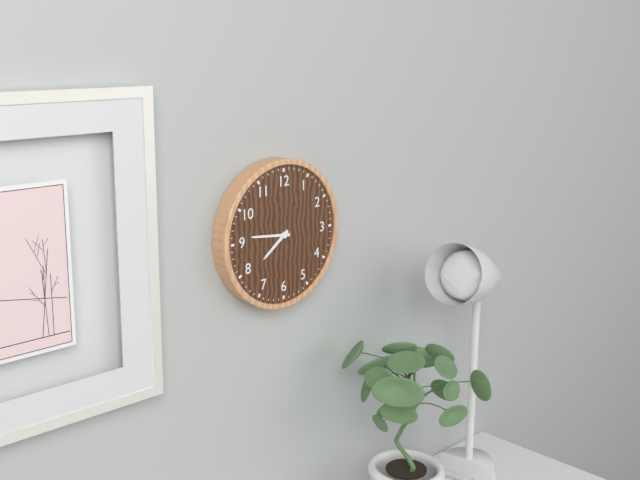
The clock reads **7:46**
